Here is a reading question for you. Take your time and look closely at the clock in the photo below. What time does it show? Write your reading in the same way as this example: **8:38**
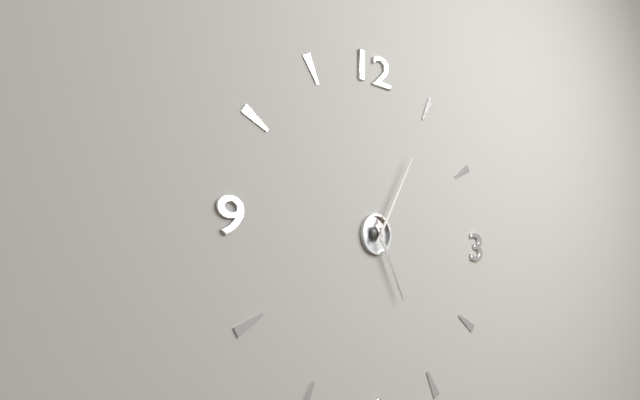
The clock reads **5:05**
